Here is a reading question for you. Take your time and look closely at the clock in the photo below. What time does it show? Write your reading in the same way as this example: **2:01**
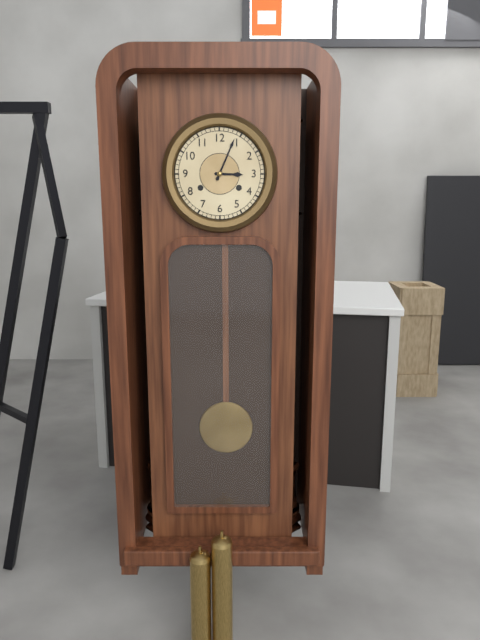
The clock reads **3:04**
